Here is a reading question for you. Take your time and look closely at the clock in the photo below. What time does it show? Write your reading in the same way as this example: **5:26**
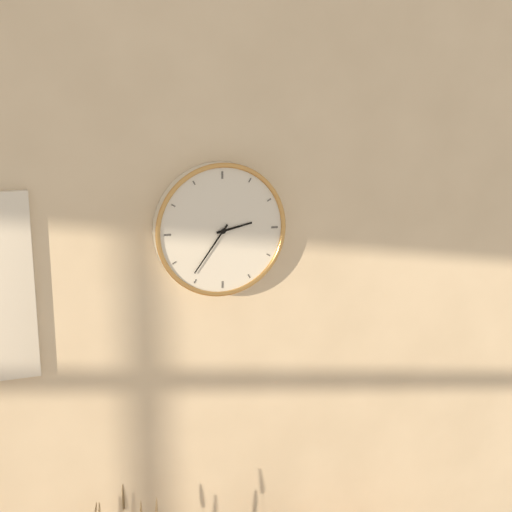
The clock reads **2:36**
